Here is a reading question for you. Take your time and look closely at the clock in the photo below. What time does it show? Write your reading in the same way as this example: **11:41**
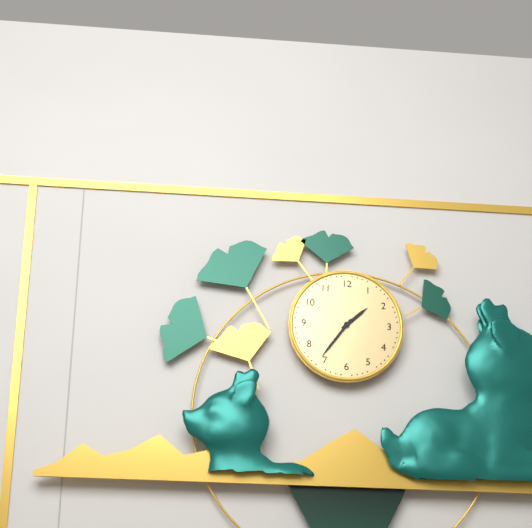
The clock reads **1:36**
